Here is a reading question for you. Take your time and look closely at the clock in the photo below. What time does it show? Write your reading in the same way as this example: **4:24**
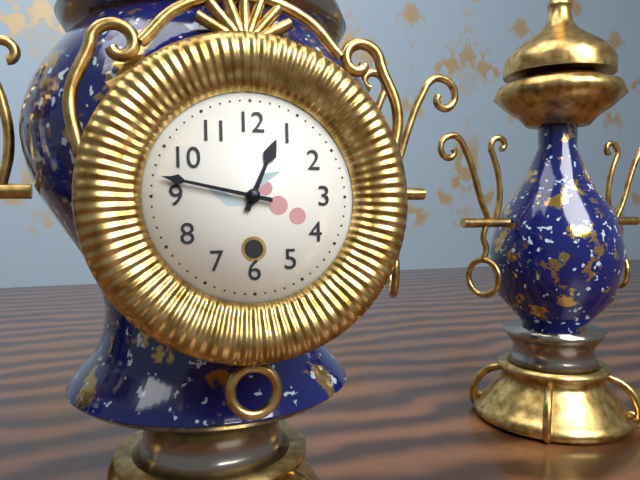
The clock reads **12:47**
